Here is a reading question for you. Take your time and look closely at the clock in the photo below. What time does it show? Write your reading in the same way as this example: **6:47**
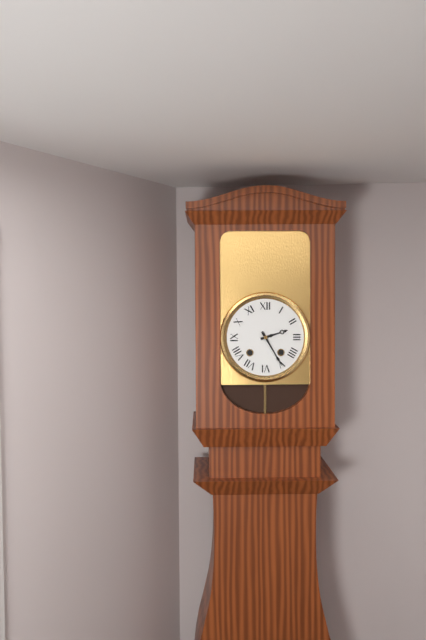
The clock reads **2:25**
